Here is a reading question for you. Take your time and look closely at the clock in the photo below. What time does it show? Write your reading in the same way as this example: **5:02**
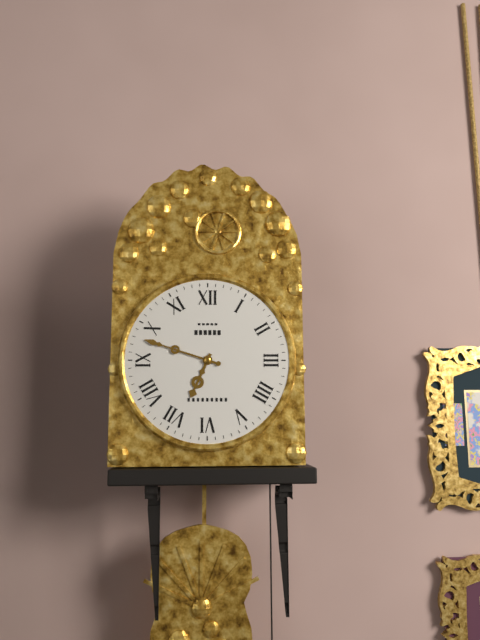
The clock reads **6:48**
